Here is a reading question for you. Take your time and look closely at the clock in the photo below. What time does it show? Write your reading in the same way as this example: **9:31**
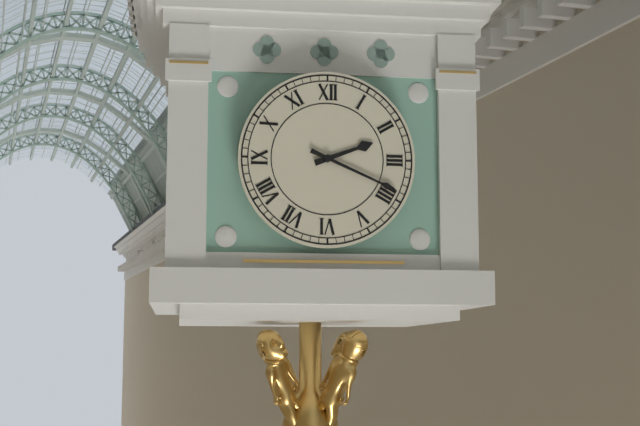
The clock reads **2:19**
